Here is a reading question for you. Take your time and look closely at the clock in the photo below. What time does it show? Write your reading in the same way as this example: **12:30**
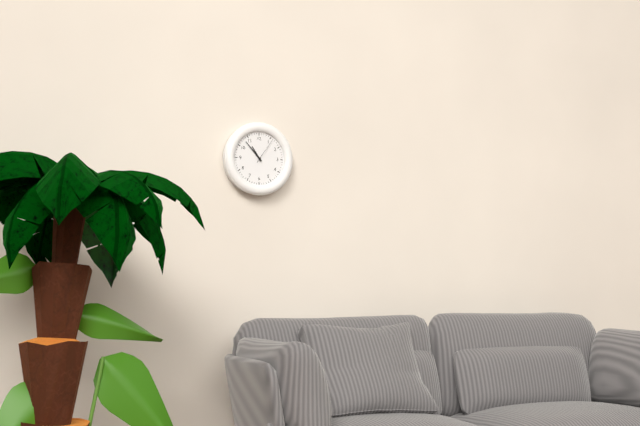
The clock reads **10:53**
